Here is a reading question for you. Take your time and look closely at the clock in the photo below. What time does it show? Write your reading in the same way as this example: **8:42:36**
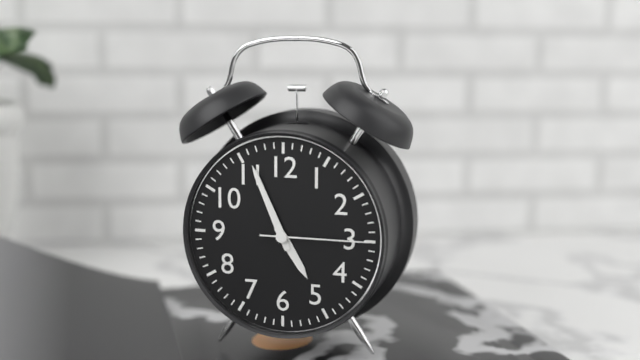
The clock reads **4:56:15**
